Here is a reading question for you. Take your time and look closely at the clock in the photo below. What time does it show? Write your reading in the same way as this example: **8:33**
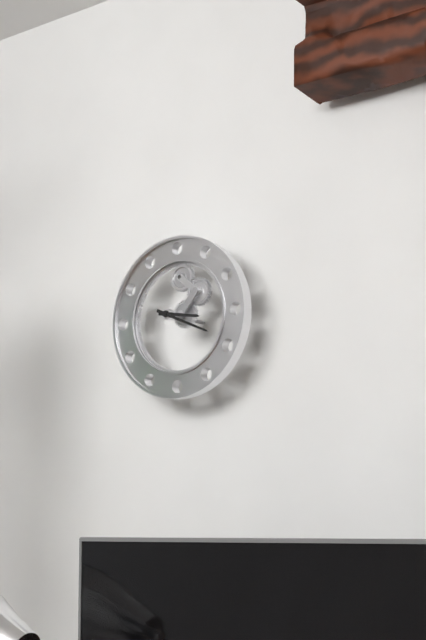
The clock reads **3:19**
